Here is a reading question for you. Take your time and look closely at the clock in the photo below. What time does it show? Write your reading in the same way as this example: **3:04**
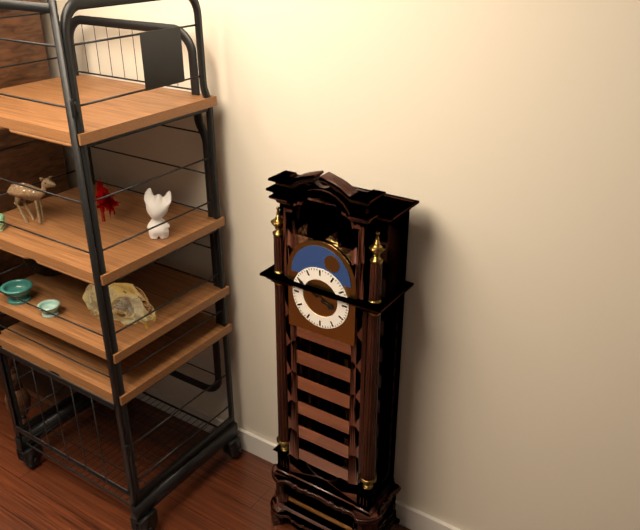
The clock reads **3:50**
